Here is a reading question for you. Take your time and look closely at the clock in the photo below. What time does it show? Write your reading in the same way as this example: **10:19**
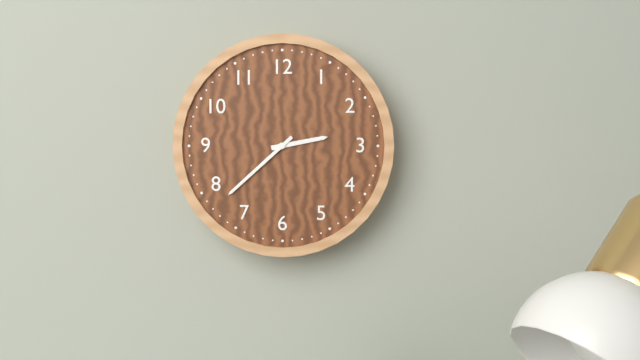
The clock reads **2:38**
